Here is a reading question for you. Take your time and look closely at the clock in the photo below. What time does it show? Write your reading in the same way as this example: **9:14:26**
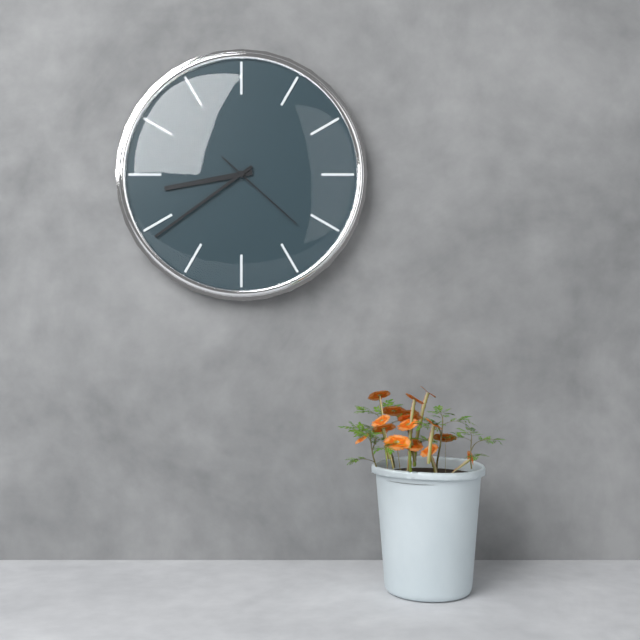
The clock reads **8:39:22**
